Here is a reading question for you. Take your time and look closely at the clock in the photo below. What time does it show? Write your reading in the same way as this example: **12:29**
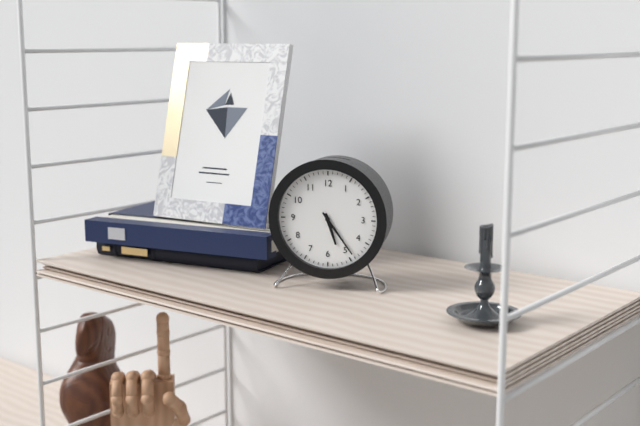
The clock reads **5:24**
